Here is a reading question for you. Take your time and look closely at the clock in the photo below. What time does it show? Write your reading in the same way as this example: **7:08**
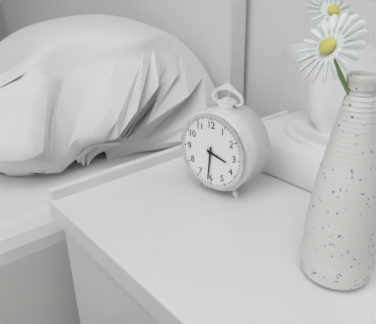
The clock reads **3:31**
